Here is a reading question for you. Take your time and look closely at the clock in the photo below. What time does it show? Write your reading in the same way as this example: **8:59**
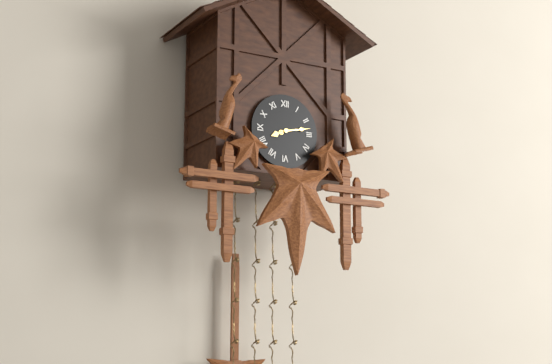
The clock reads **8:13**
